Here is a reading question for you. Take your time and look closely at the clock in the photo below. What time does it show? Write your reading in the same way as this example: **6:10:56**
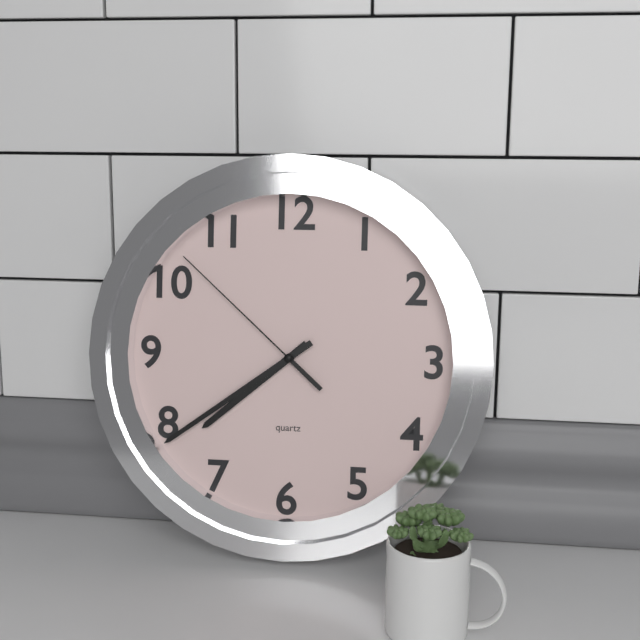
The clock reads **7:39:52**
